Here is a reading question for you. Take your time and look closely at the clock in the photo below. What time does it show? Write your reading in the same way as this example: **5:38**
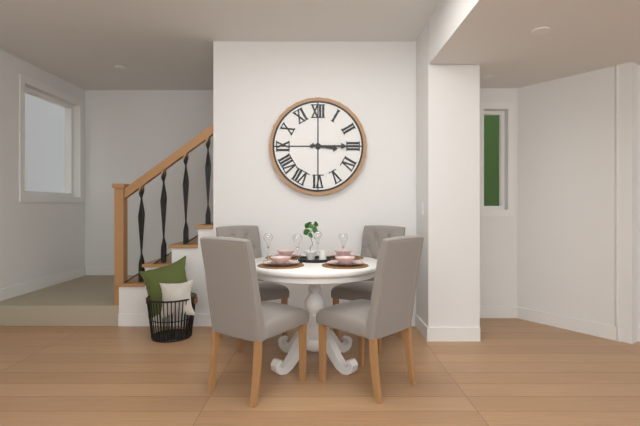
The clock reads **3:15**
